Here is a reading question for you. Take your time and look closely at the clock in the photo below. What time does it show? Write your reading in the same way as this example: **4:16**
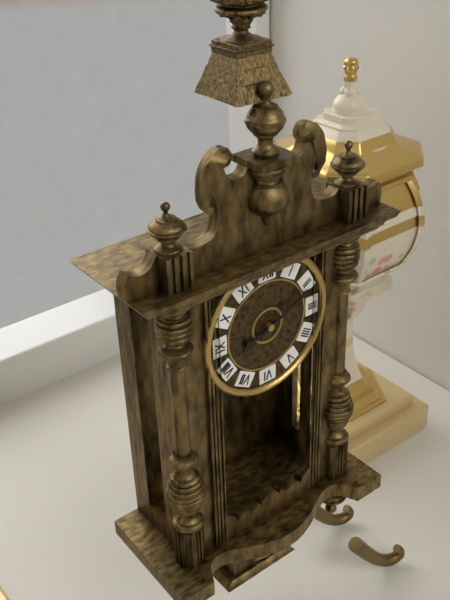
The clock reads **8:11**
